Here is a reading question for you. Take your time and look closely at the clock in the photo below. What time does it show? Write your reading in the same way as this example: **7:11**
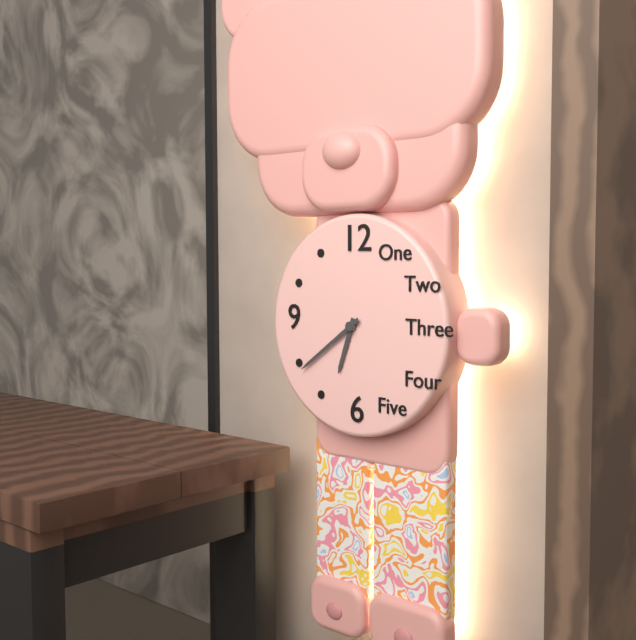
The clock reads **6:39**
